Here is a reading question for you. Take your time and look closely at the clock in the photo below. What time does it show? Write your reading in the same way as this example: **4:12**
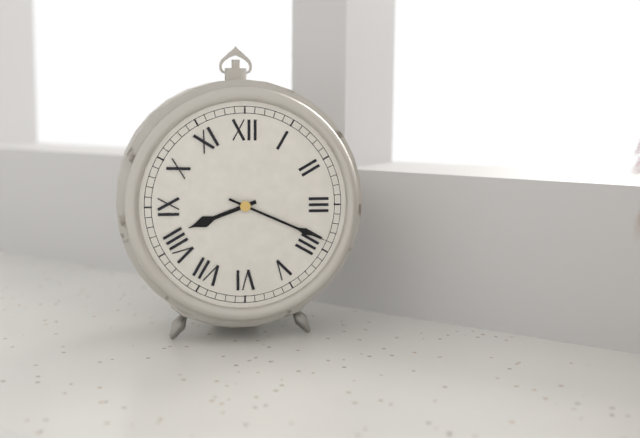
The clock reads **8:19**
